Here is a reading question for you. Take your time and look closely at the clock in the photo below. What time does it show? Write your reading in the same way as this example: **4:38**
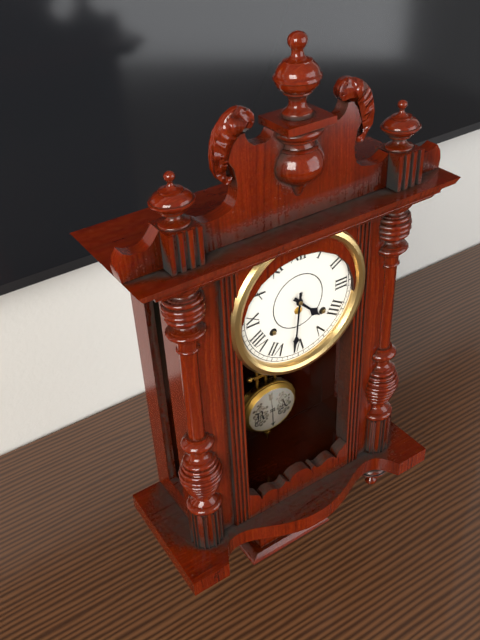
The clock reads **4:31**
